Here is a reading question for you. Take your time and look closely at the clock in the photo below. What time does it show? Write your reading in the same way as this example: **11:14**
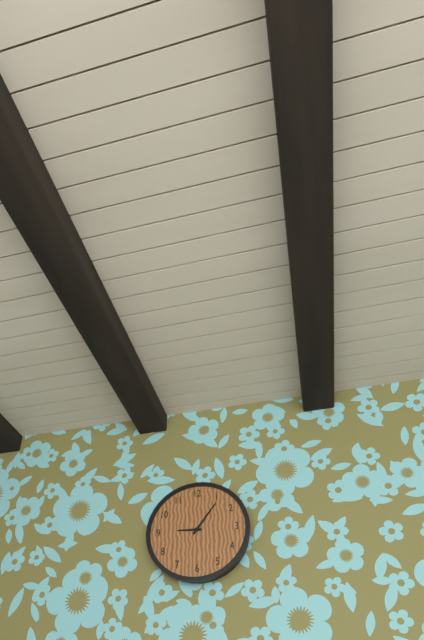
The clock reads **9:06**
